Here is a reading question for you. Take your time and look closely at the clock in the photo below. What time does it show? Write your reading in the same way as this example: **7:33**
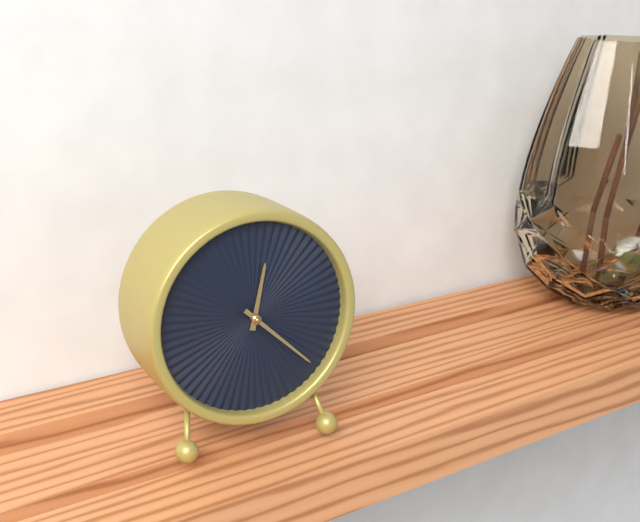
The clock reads **12:22**
